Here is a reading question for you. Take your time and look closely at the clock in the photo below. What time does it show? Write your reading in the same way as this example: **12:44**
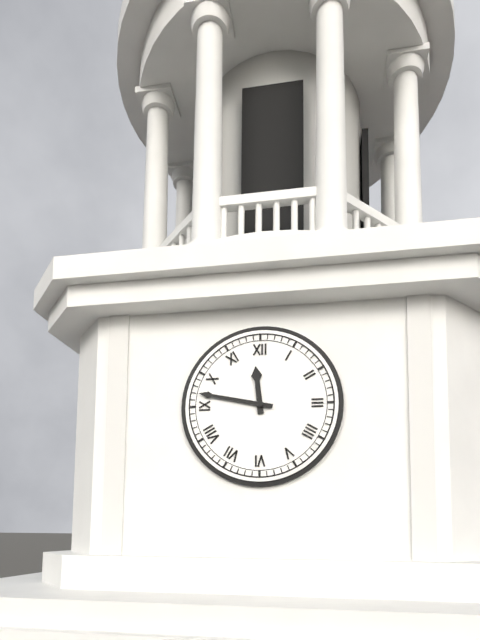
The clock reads **11:47**
